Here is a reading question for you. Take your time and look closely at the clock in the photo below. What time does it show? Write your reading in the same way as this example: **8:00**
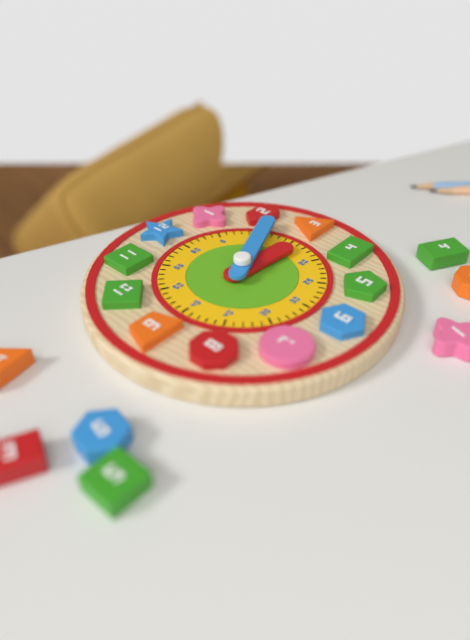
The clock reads **3:11**
